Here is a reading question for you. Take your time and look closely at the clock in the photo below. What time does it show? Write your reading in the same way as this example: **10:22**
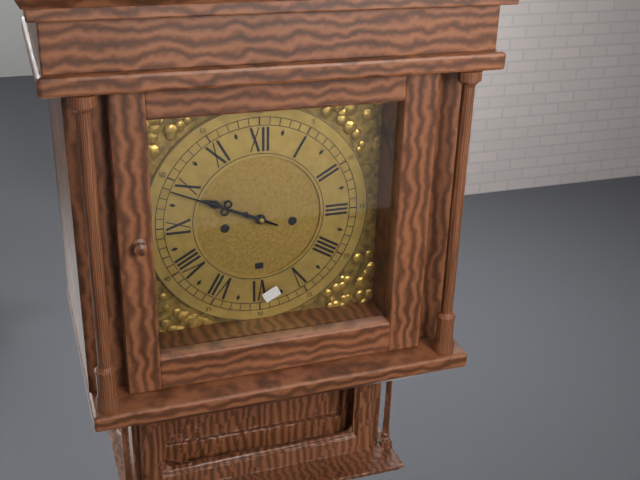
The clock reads **9:49**
